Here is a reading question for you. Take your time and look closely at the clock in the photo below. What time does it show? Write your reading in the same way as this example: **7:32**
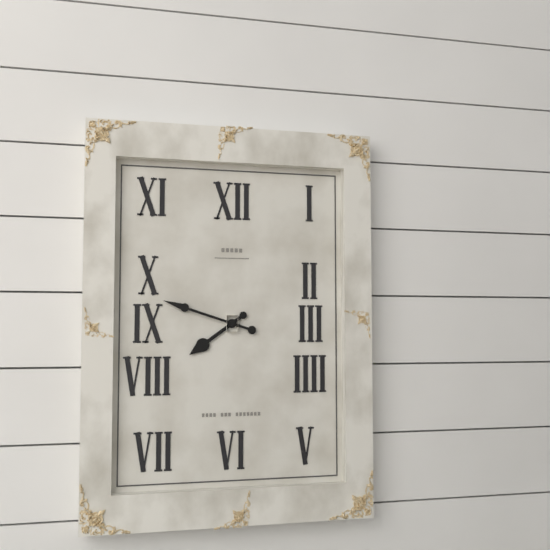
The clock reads **7:48**
